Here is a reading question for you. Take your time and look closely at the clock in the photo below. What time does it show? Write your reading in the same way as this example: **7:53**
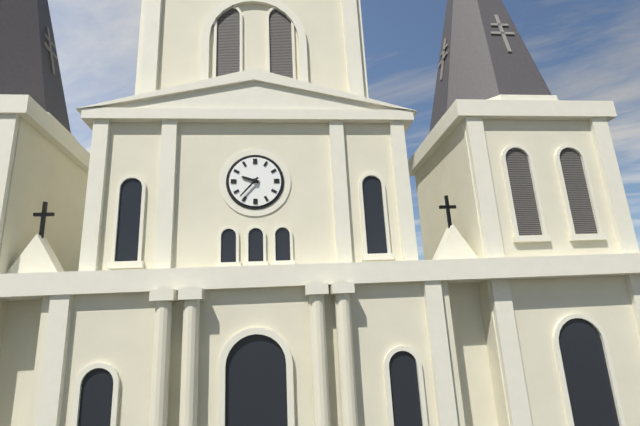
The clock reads **9:37**
